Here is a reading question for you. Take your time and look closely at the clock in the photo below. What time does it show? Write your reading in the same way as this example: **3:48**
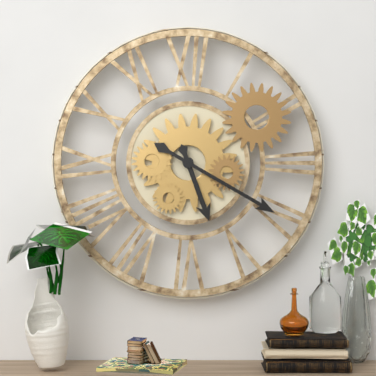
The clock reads **5:20**
